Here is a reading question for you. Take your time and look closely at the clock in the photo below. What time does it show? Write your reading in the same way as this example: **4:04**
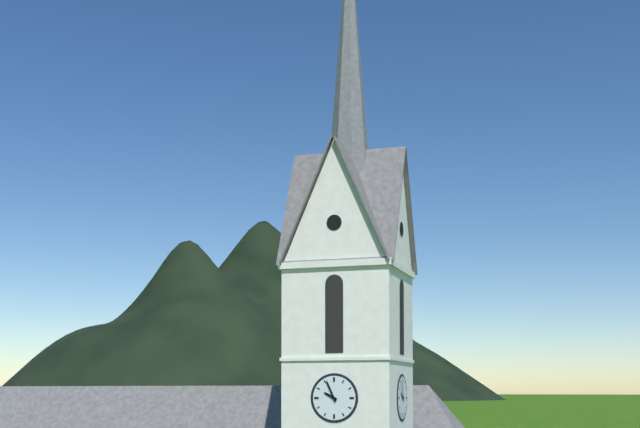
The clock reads **9:56**
